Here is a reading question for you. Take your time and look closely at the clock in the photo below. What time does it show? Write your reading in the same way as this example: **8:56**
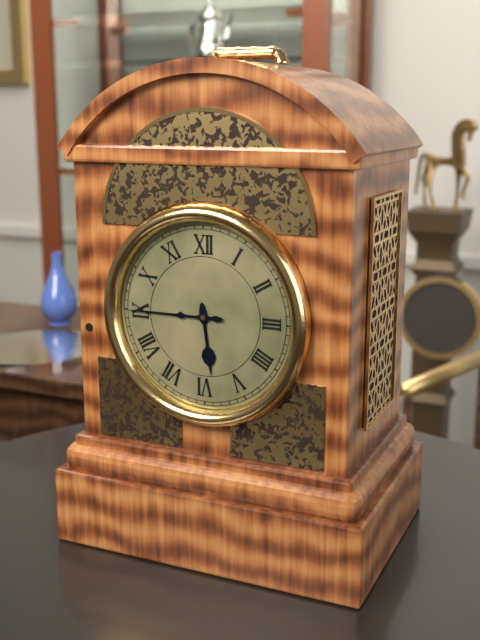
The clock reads **5:45**
